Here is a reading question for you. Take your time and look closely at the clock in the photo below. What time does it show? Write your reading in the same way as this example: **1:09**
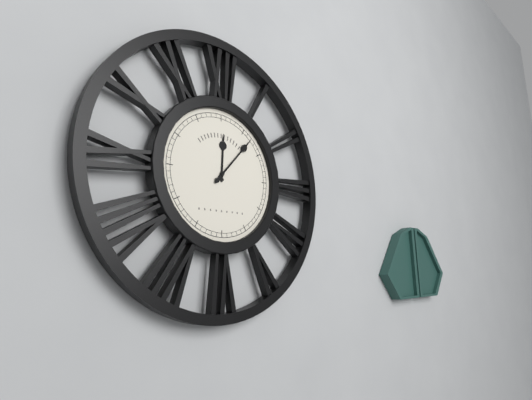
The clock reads **12:07**
